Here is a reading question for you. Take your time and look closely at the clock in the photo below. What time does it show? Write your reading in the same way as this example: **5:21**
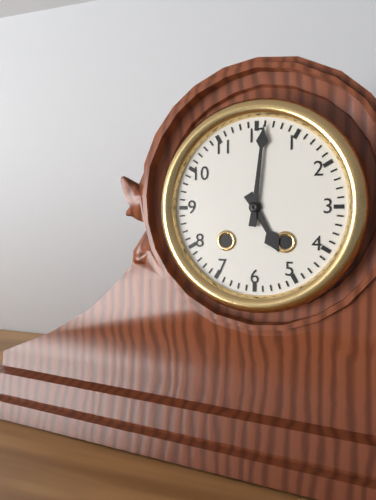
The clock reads **5:01**
